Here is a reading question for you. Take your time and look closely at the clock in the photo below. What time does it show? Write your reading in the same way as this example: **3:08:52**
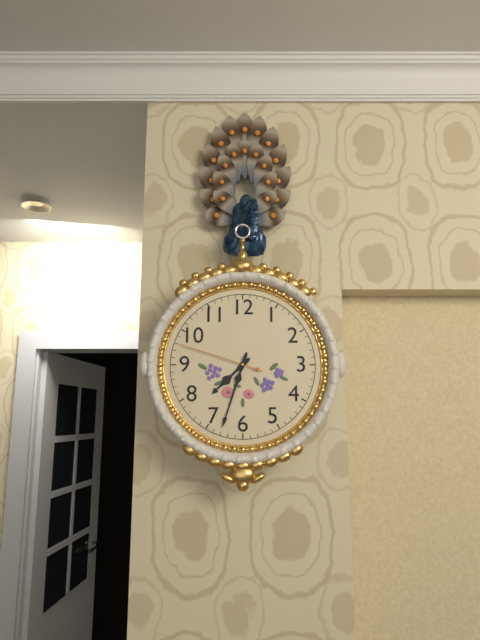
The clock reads **7:33:48**
